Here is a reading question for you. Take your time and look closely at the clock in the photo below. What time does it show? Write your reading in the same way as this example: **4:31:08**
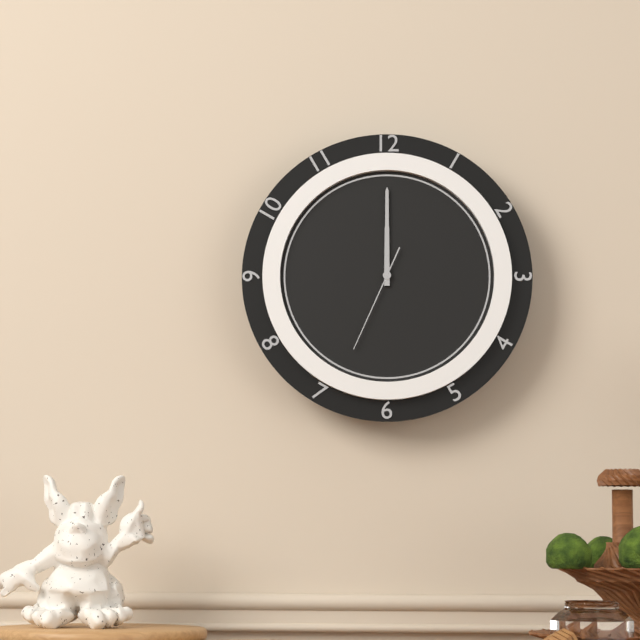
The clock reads **12:00:34**
